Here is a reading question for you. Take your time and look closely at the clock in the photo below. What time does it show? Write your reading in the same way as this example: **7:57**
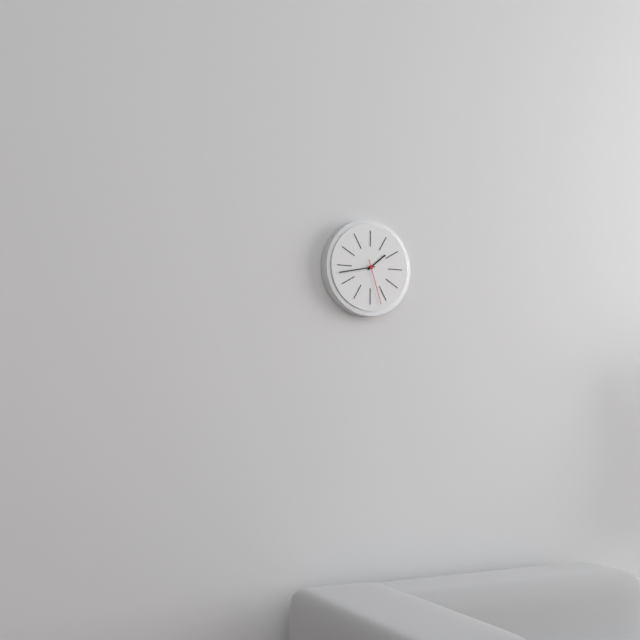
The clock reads **1:43**
